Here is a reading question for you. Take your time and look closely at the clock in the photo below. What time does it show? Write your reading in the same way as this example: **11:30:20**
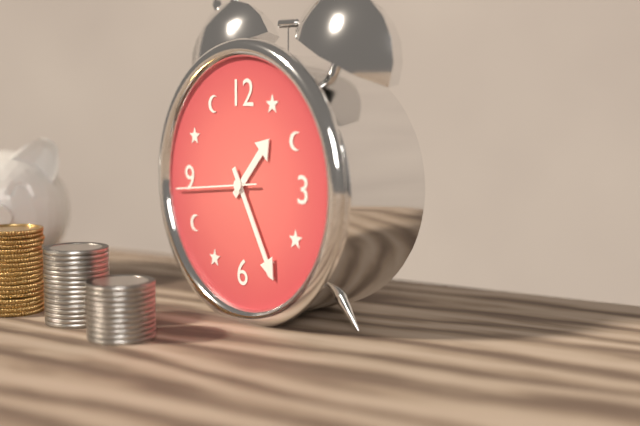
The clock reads **1:25:44**
